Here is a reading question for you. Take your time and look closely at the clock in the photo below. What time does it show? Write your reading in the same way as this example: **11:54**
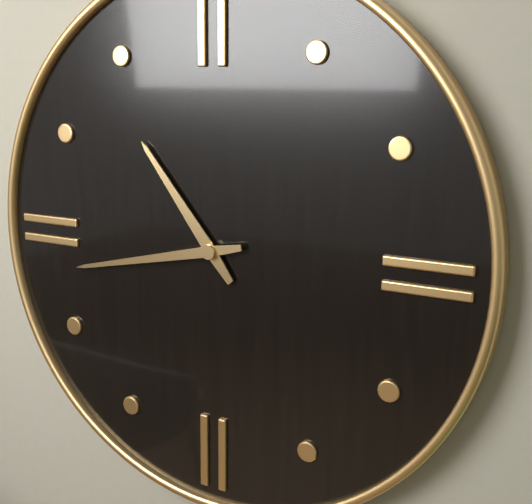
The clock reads **10:43**
